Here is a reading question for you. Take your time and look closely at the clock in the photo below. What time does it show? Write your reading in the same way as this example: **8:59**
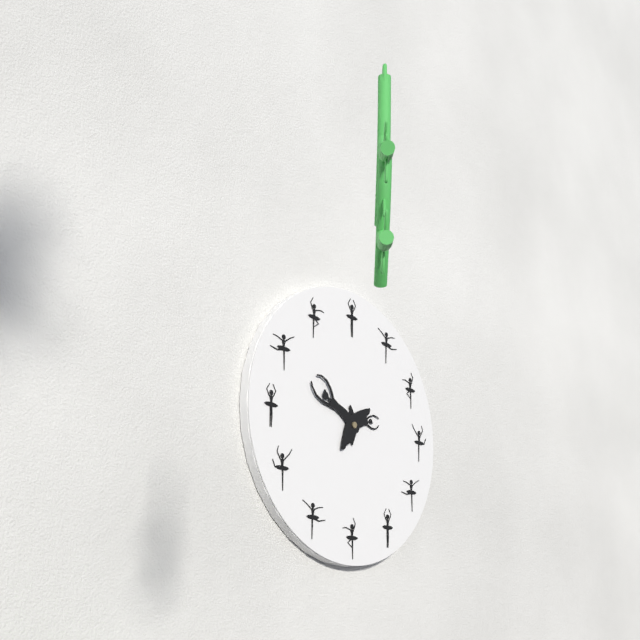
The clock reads **2:52**
